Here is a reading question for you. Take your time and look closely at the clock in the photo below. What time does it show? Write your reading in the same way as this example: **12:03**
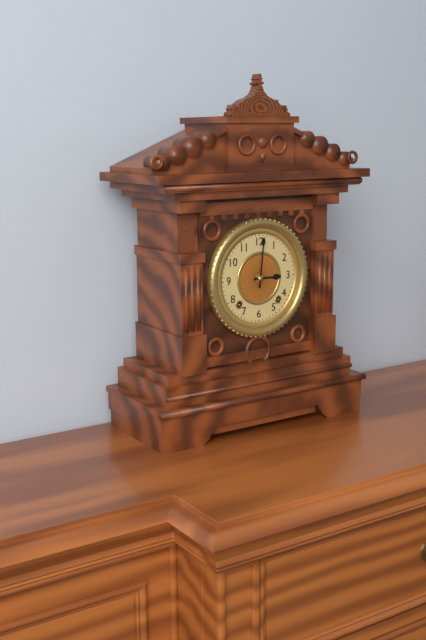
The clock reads **3:01**
